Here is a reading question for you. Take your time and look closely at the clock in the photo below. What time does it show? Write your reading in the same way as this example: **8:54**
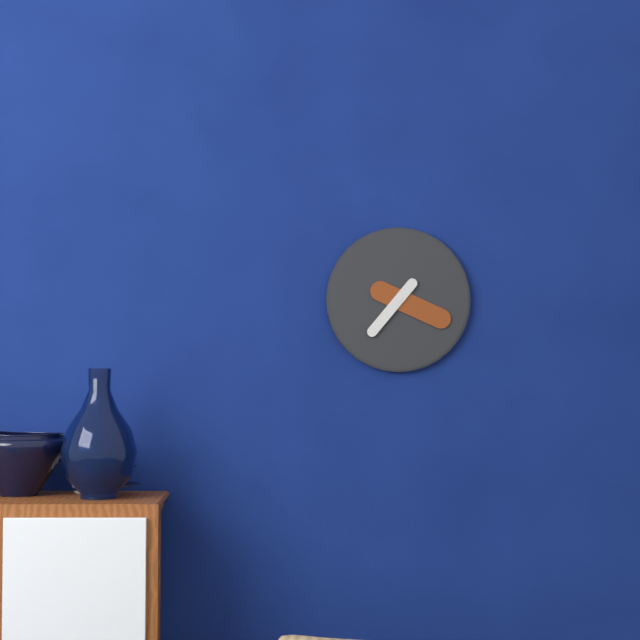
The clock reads **7:19**
